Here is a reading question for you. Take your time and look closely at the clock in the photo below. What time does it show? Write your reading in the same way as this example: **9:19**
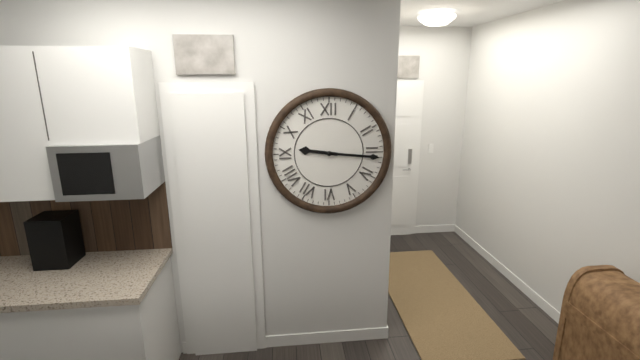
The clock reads **9:16**
